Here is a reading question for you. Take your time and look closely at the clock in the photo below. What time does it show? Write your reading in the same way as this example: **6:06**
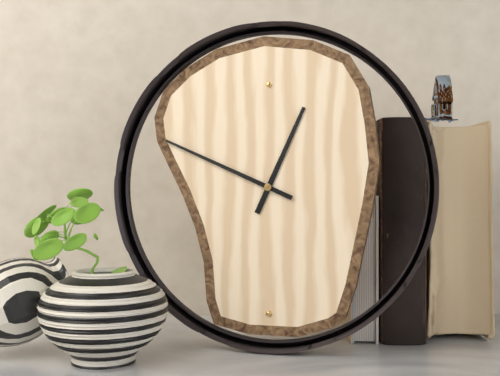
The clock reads **12:49**
